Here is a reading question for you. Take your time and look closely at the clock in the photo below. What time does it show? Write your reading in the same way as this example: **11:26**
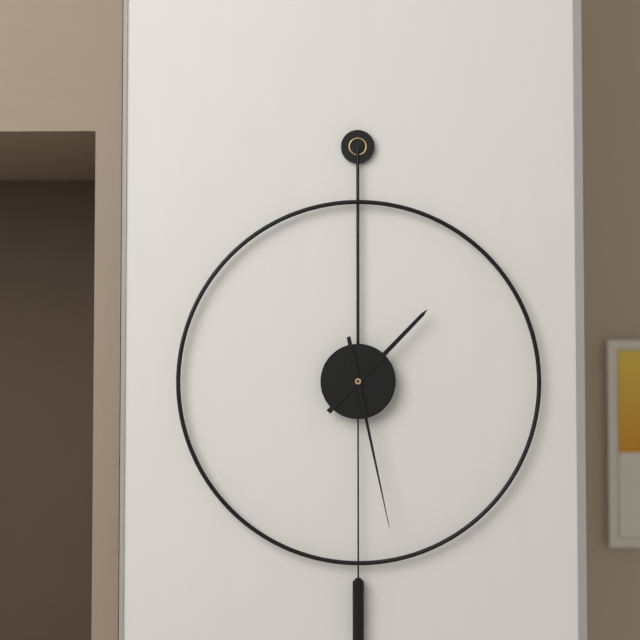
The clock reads **1:28**
